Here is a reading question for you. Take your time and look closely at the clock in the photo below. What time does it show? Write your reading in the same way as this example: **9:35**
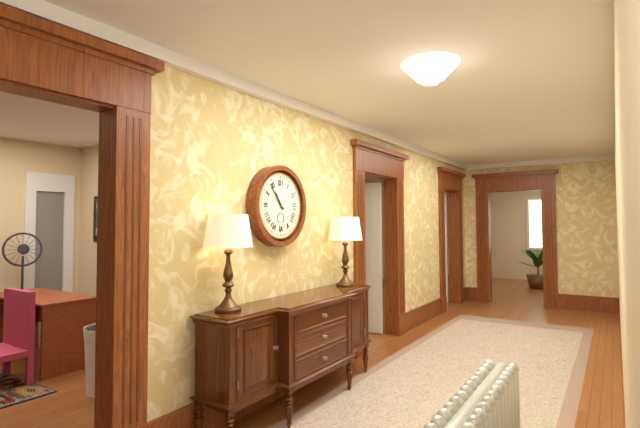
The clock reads **10:53**
